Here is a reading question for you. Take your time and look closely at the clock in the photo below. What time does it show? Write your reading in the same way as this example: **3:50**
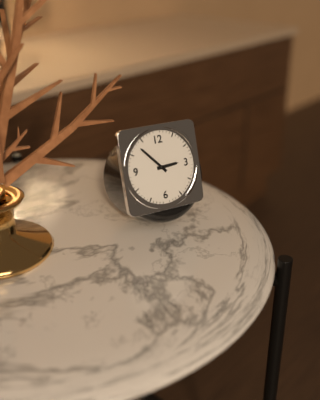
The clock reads **2:53**
